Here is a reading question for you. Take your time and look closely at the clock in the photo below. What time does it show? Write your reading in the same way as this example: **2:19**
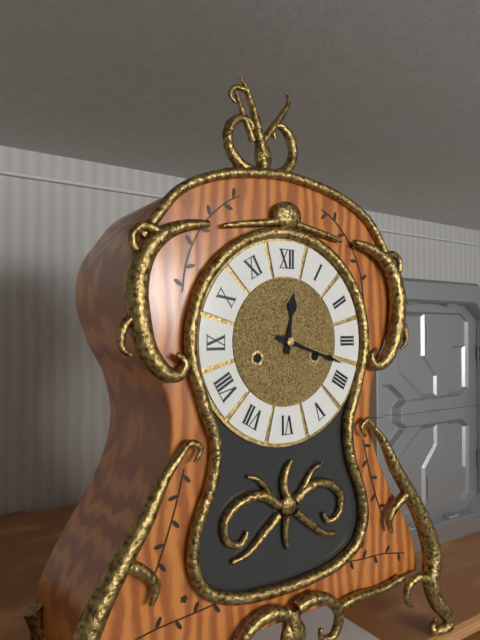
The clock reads **12:18**
